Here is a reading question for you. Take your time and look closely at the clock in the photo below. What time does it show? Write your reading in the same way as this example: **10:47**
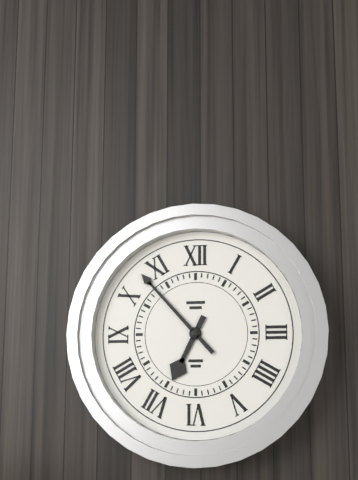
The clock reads **6:53**
